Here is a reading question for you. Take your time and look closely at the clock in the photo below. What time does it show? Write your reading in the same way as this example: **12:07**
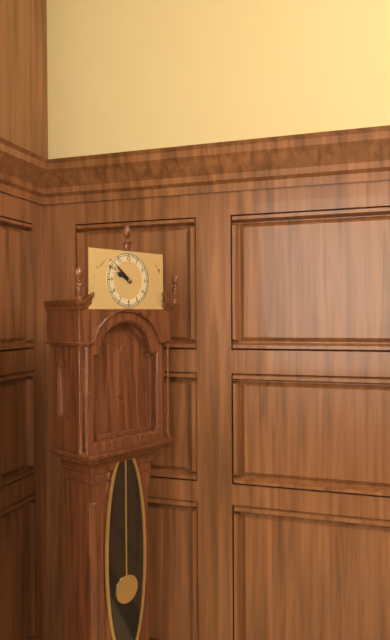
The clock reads **9:52**
